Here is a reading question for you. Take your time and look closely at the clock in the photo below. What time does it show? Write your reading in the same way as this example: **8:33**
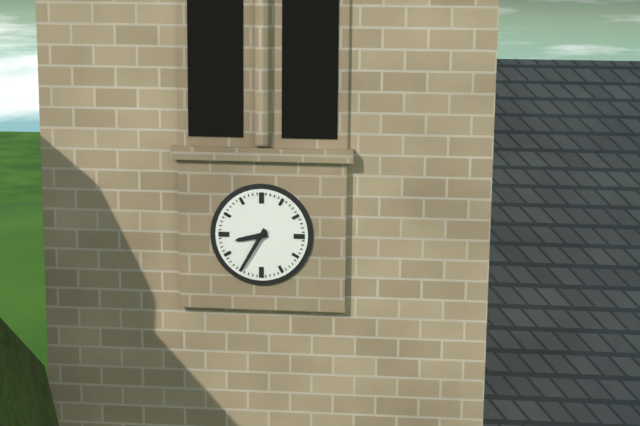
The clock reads **8:35**
